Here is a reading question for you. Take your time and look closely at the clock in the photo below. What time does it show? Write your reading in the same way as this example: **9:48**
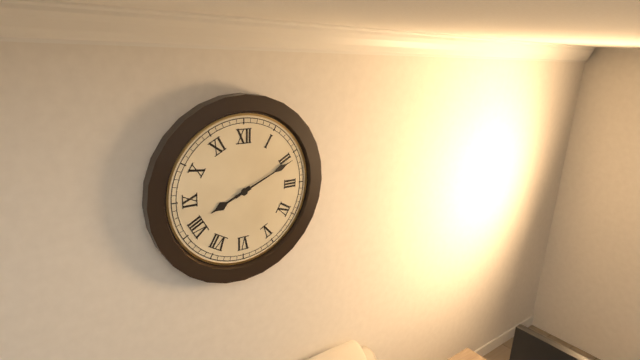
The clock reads **8:11**
